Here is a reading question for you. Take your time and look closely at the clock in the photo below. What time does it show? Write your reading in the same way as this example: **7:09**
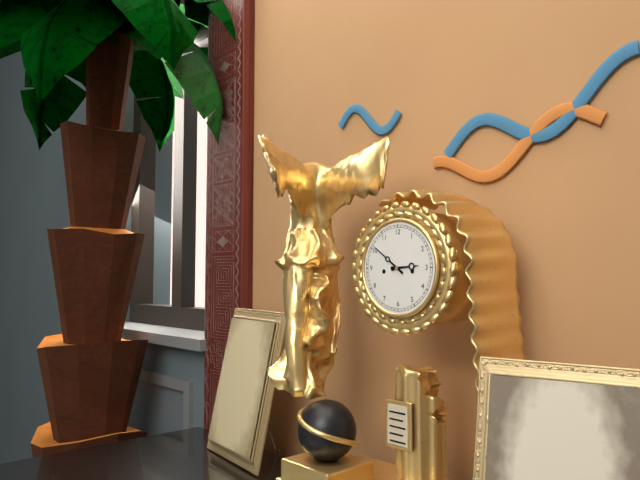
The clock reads **2:51**
